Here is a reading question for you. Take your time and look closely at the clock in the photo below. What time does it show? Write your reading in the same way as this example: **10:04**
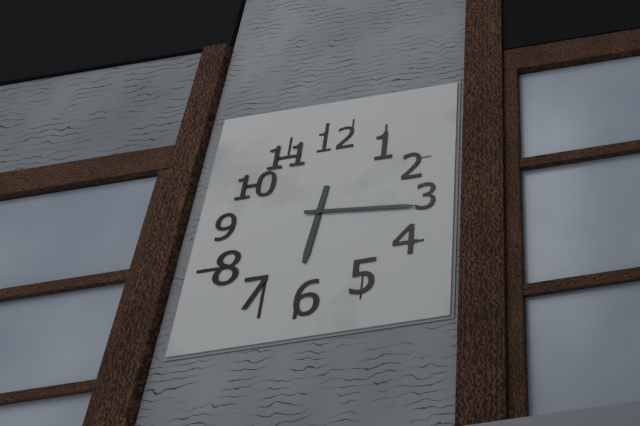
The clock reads **6:16**
